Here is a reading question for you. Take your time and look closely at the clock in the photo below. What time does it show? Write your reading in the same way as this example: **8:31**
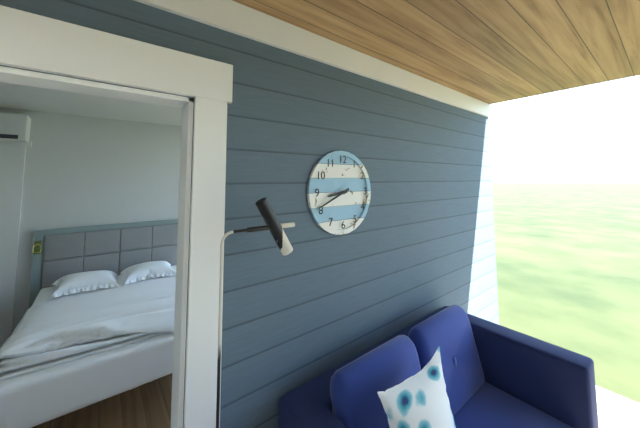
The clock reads **8:41**
